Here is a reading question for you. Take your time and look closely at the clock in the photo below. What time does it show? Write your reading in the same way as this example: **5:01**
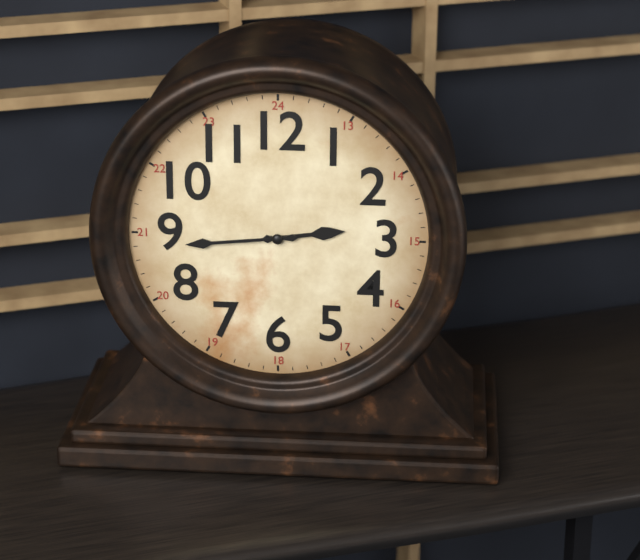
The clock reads **2:44**
